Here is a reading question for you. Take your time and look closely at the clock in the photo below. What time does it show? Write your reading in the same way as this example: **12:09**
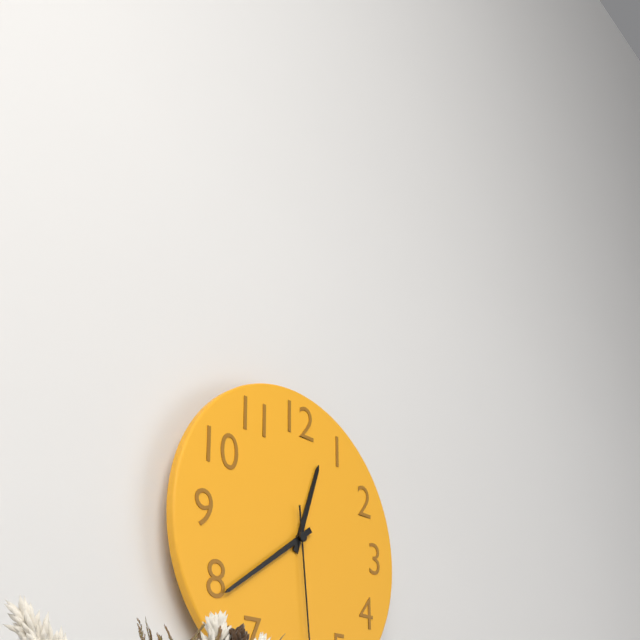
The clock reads **12:39**
